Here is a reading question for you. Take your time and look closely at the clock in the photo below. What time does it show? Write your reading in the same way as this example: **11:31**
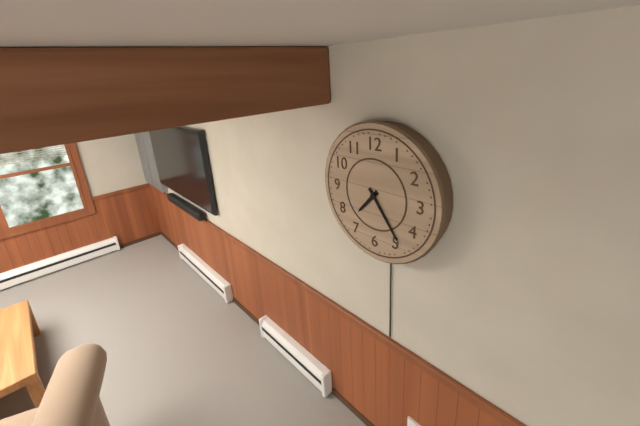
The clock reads **7:24**
